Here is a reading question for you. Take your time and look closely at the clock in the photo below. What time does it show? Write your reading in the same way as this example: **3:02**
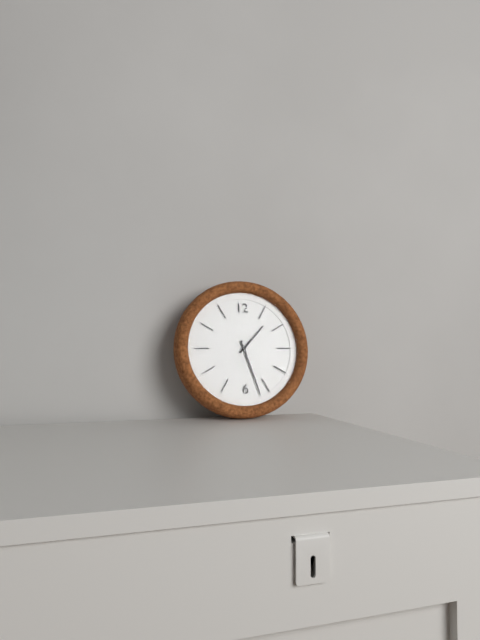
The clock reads **1:27**
